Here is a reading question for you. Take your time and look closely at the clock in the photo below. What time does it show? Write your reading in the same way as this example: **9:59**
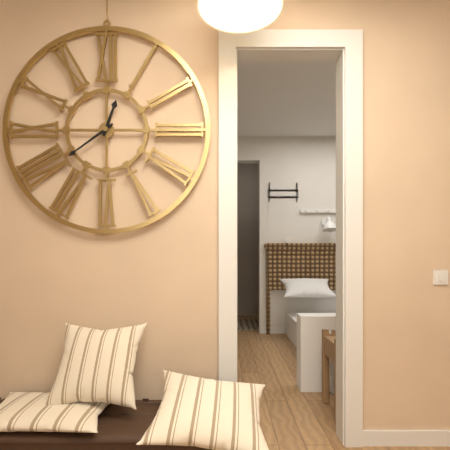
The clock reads **12:39**
